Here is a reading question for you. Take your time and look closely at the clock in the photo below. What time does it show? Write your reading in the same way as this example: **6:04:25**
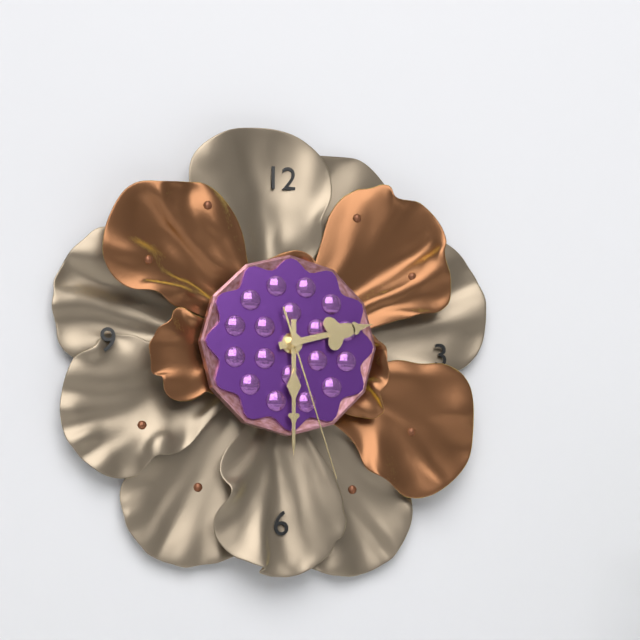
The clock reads **2:30:27**
